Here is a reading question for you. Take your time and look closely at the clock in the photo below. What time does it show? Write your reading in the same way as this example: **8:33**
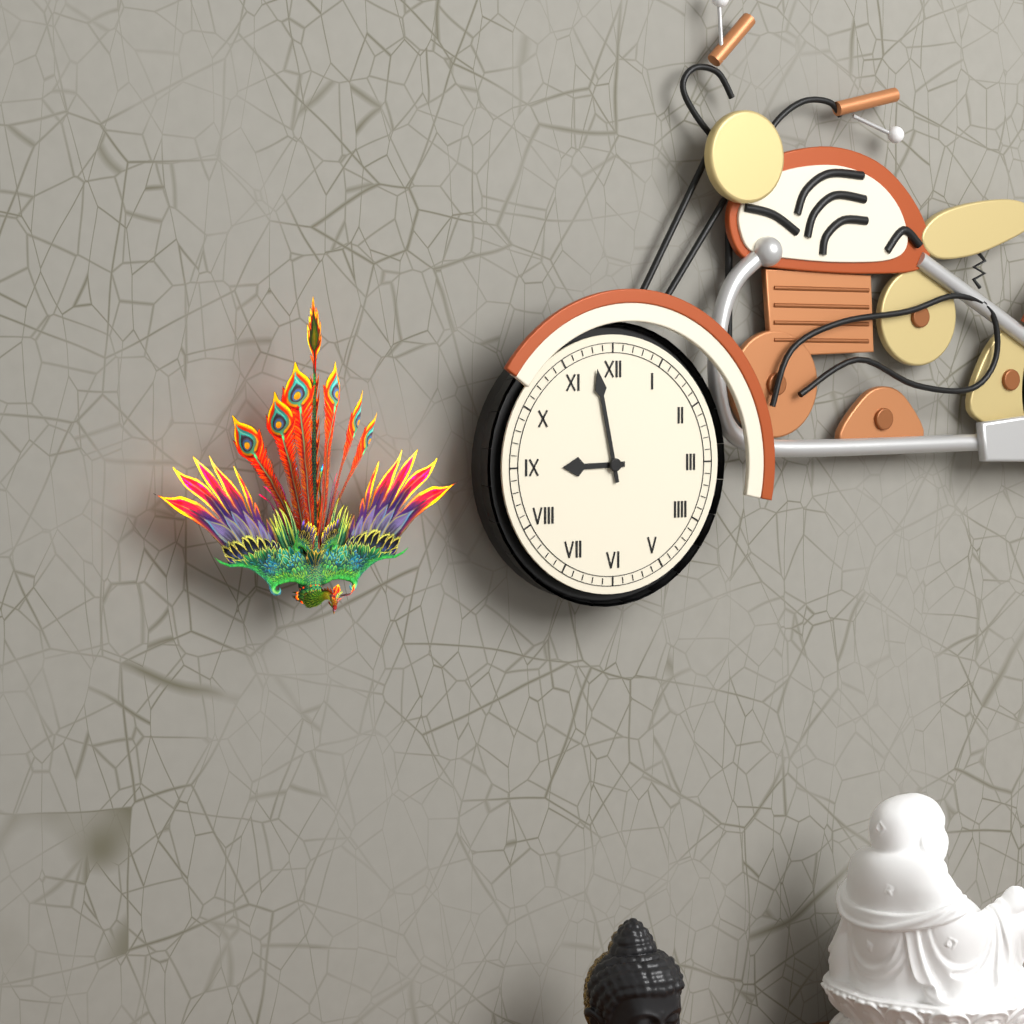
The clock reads **8:58**
